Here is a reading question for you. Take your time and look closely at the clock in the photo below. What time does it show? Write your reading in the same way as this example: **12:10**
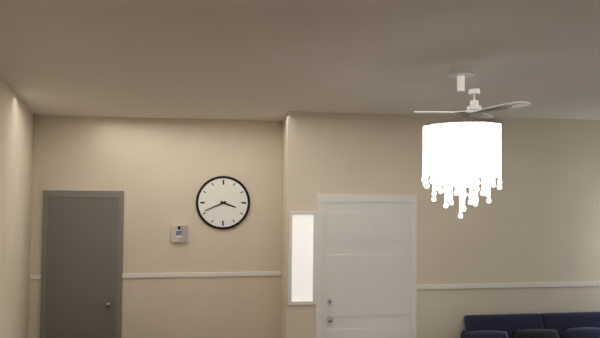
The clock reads **3:41**
